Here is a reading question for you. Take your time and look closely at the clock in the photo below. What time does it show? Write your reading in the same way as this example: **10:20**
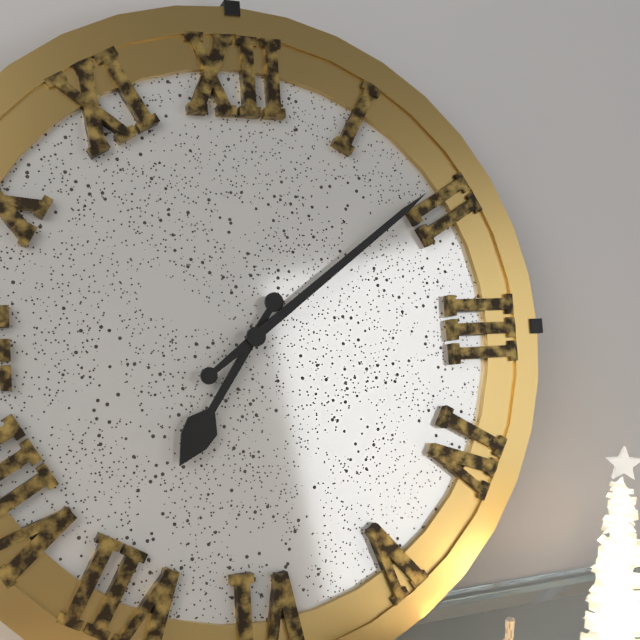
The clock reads **7:09**
